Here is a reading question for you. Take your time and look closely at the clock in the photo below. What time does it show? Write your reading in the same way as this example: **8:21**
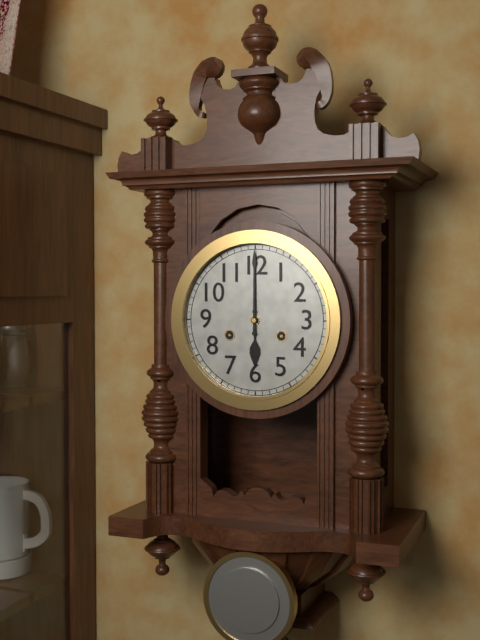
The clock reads **6:00**
